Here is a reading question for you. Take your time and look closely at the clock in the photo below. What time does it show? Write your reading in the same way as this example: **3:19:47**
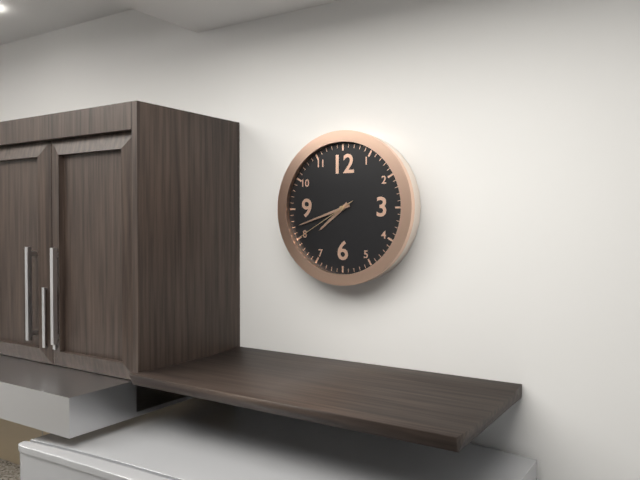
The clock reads **7:42:40**
